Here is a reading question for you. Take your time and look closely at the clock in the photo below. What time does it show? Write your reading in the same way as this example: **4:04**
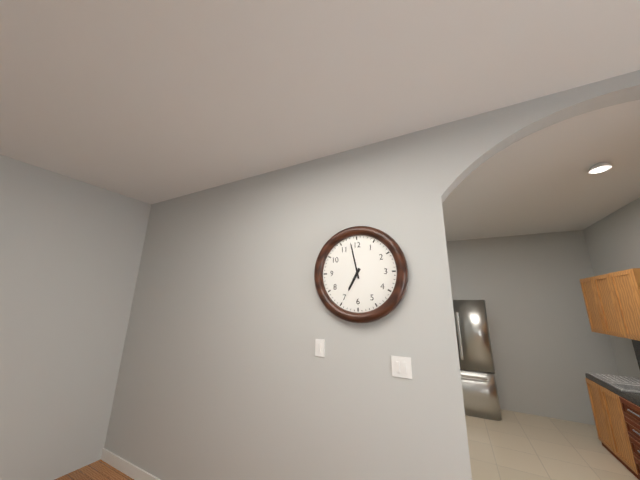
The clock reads **6:58**
